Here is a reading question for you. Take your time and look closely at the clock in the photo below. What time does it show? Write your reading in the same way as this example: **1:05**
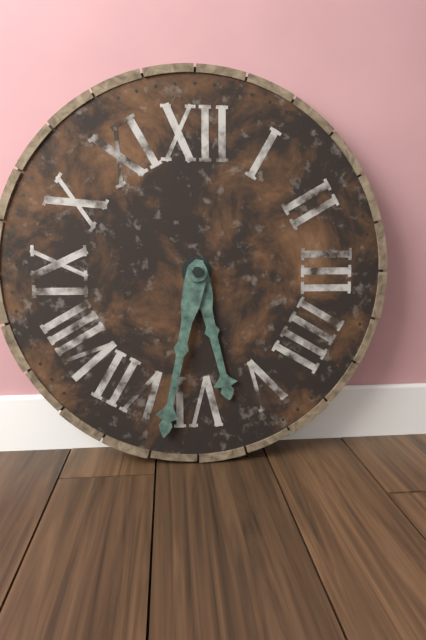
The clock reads **5:32**
